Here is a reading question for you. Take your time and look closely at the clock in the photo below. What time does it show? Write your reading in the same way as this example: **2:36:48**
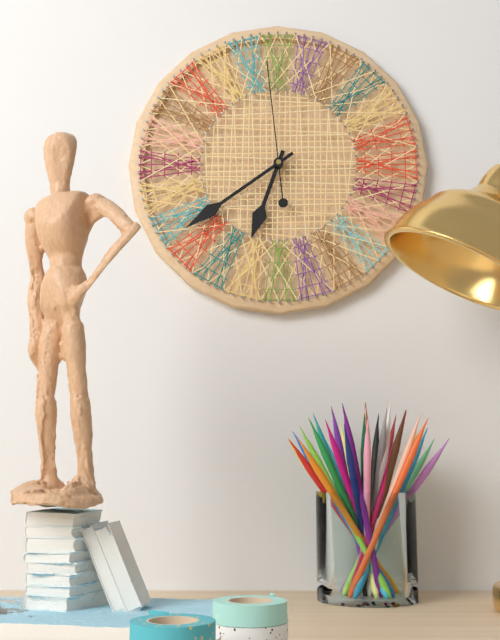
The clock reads **6:39:59**
